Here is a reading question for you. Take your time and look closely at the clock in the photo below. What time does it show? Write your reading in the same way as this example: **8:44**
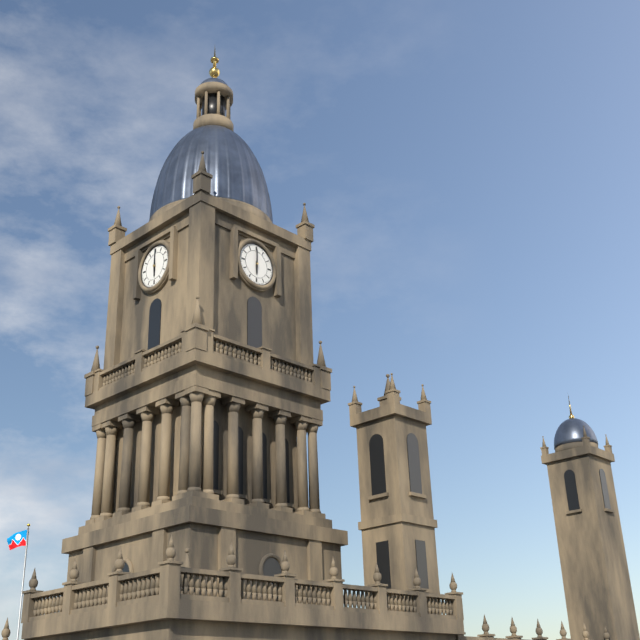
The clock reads **6:00**
